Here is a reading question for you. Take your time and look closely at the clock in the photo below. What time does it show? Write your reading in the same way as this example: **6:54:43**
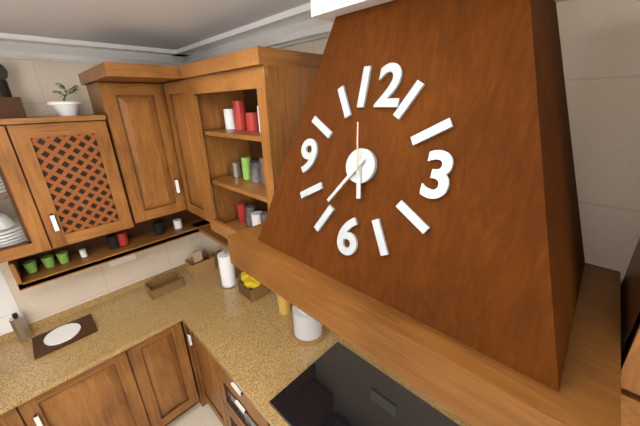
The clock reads **5:36:58**
